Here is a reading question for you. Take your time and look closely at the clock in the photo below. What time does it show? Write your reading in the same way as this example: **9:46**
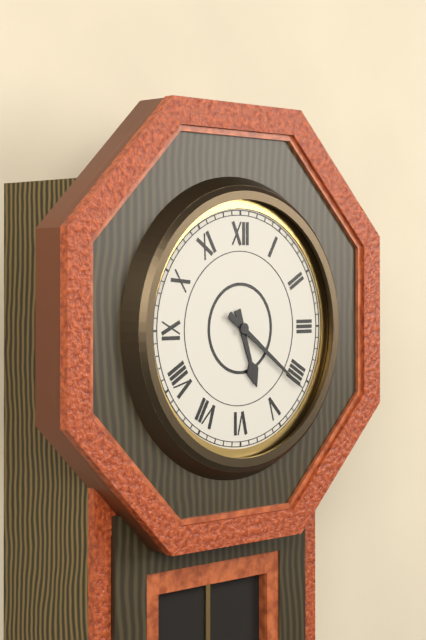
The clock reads **5:21**
